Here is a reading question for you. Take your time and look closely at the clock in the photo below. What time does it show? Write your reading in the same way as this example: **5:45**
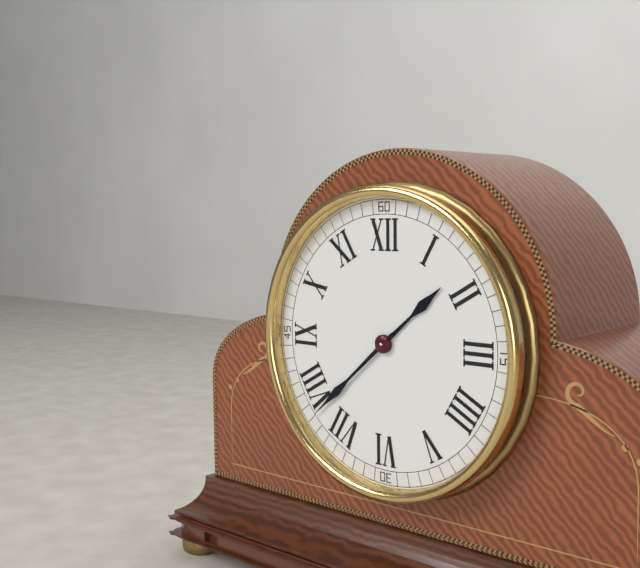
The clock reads **1:38**
